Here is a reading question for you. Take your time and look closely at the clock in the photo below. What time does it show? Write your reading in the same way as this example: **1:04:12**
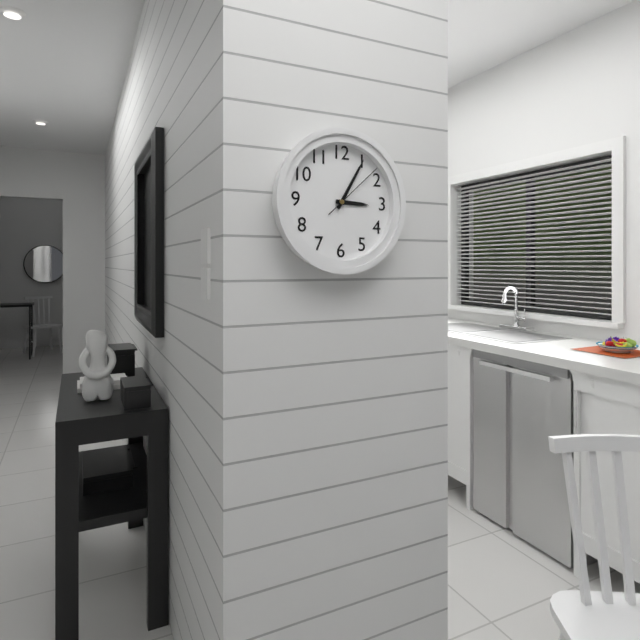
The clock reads **3:05:08**
